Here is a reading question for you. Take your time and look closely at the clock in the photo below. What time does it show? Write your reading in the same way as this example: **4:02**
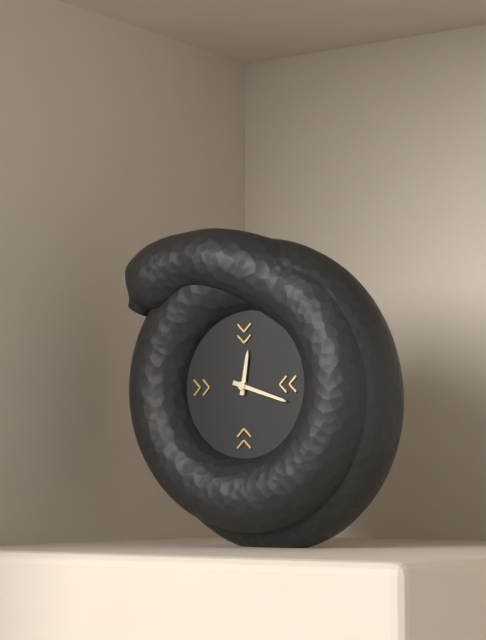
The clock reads **12:18**
